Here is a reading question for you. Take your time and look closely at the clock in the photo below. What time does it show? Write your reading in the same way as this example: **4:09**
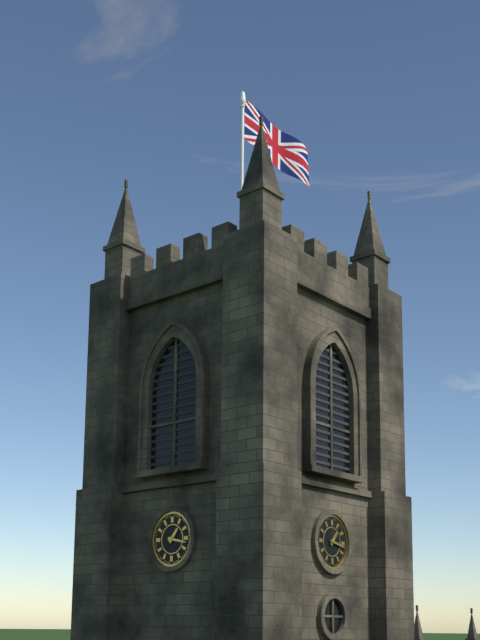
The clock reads **1:17**
